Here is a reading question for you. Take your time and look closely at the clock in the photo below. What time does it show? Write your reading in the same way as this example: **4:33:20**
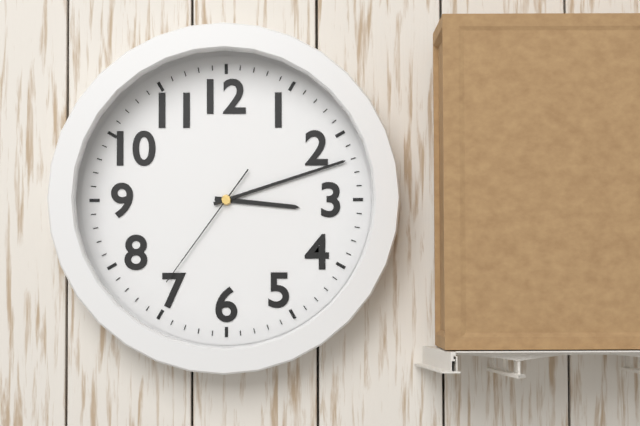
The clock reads **3:12:36**
